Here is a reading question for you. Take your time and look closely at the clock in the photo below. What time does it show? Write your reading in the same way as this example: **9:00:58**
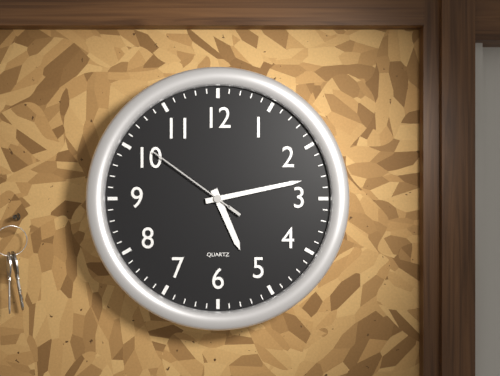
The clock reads **5:13:51**
